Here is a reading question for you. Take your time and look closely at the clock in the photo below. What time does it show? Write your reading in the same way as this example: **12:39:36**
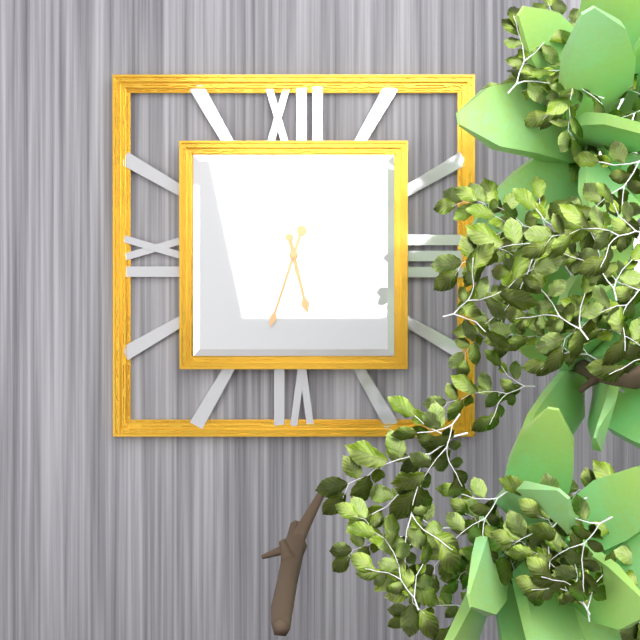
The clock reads **5:33:29**
